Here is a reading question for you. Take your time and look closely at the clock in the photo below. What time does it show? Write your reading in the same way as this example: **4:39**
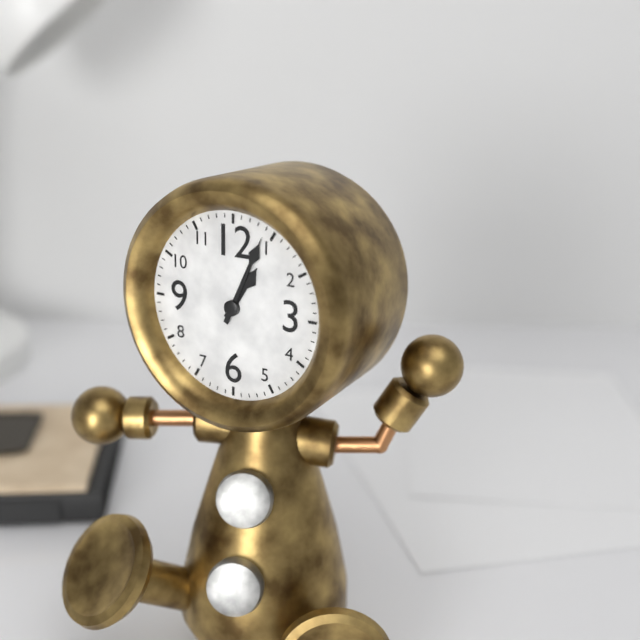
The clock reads **1:04**
